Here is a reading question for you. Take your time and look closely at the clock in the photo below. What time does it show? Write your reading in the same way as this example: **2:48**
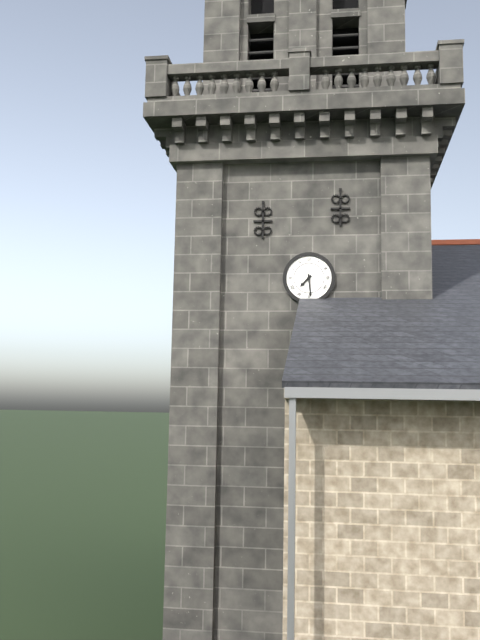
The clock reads **7:29**
